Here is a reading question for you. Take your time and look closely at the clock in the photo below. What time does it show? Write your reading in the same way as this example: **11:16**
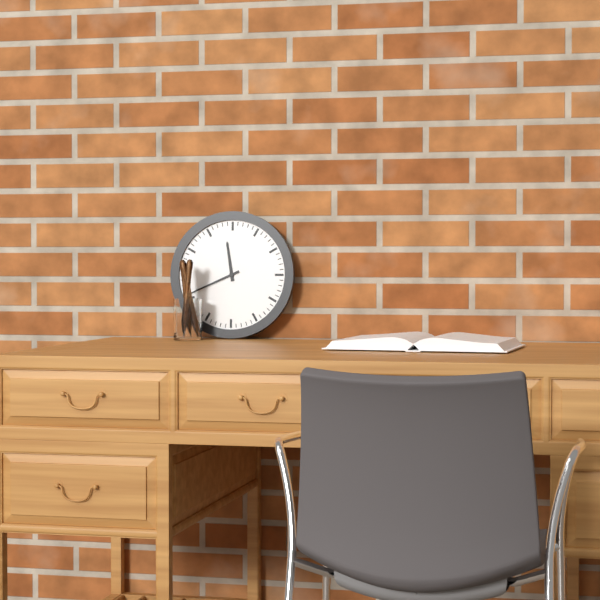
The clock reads **11:41**
